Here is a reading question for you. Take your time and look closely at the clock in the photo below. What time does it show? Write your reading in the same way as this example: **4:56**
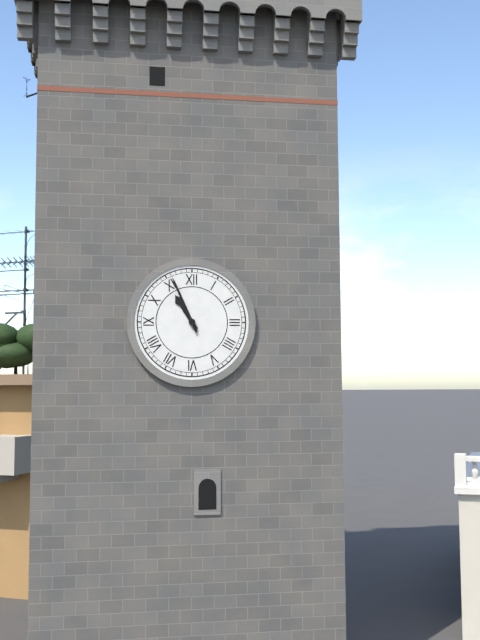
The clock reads **10:56**
